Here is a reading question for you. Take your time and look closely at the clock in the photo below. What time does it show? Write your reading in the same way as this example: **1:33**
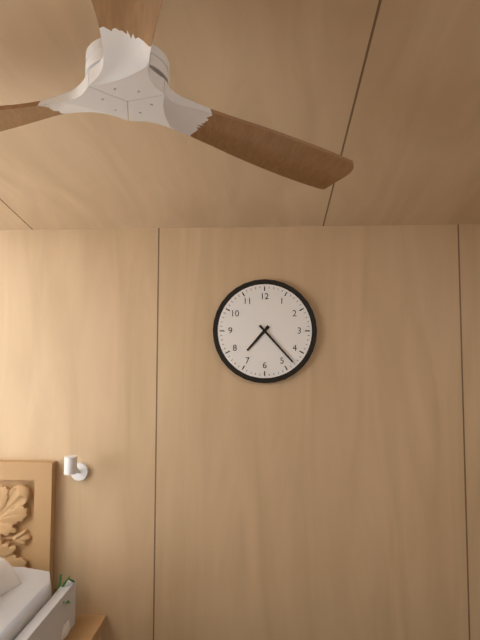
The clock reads **7:23**
